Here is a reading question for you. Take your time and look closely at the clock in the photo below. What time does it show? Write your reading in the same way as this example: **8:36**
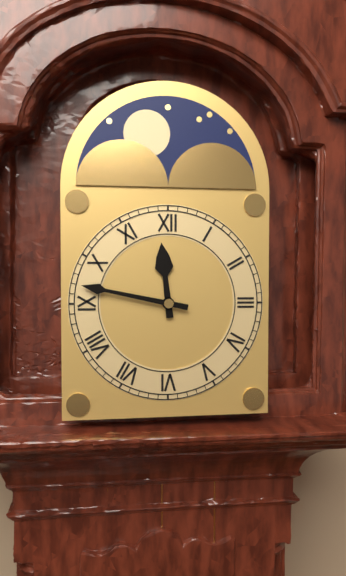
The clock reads **11:47**
